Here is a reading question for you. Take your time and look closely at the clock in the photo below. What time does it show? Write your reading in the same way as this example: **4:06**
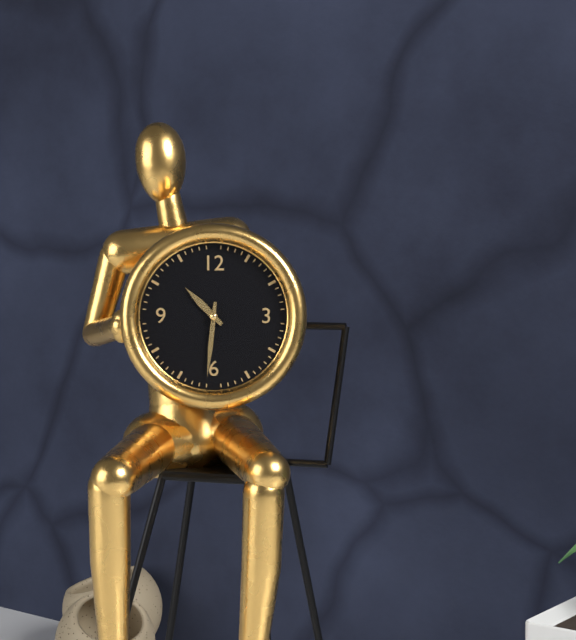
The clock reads **10:31**
